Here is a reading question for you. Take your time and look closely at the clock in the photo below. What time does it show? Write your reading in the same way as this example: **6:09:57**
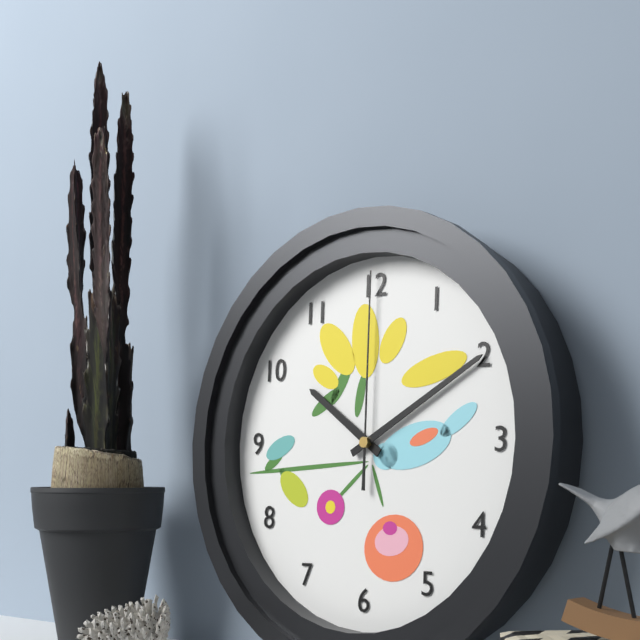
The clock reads **10:10:00**
